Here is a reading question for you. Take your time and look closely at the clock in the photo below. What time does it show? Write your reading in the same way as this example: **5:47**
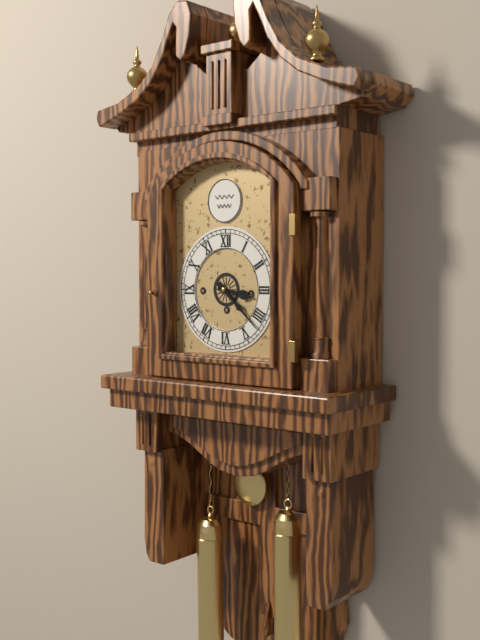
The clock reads **3:22**
